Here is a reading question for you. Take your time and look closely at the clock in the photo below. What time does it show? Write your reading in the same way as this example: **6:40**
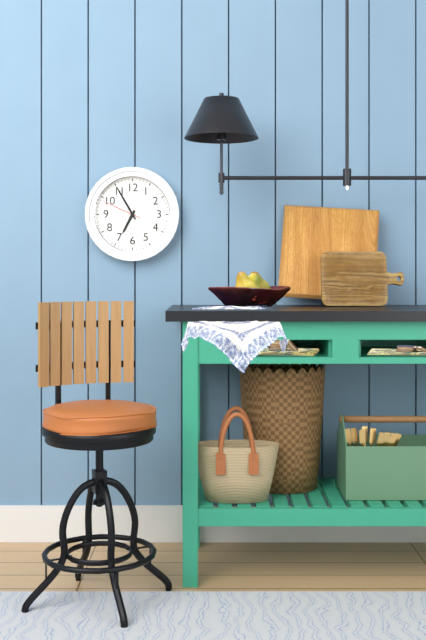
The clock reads **6:55**
